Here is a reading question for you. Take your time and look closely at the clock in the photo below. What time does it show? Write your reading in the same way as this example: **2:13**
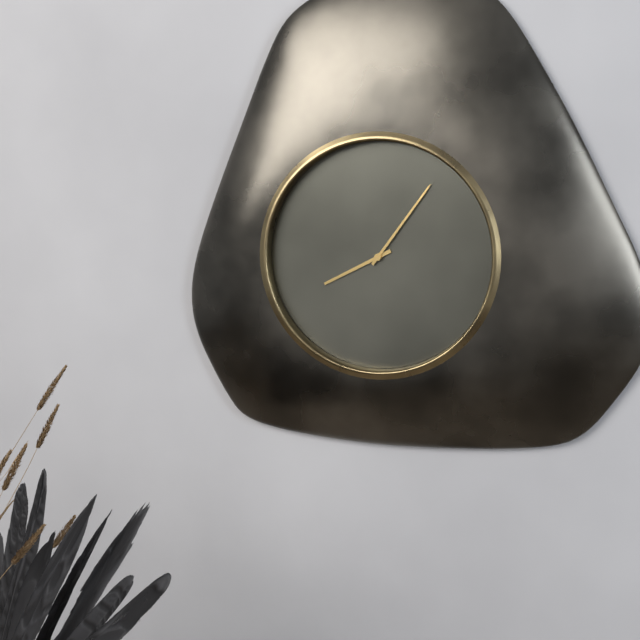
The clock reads **8:06**
